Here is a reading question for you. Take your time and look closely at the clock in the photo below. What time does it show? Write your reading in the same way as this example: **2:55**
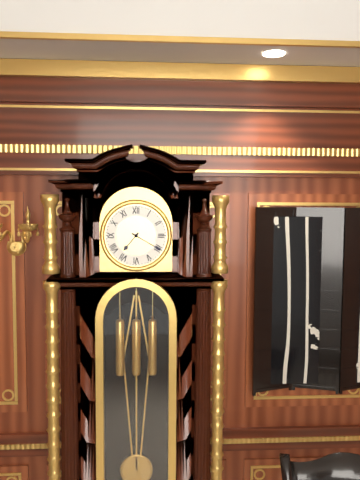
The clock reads **7:20**
